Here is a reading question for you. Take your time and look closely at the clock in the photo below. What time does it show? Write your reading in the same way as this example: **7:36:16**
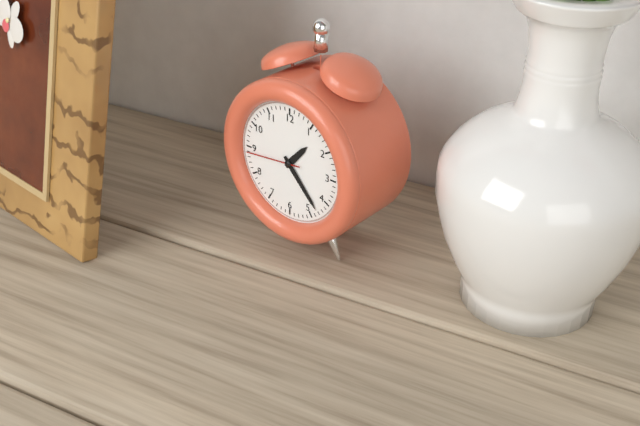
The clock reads **1:23:44**
